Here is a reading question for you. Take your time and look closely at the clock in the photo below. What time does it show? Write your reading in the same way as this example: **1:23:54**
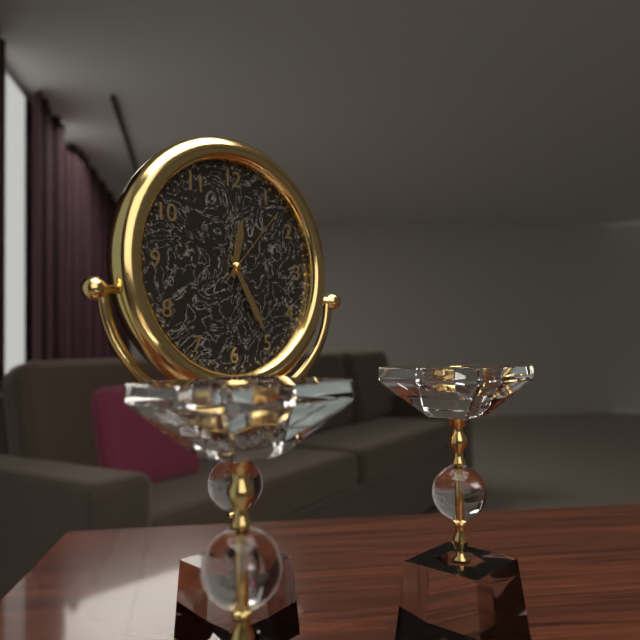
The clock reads **12:25:07**
